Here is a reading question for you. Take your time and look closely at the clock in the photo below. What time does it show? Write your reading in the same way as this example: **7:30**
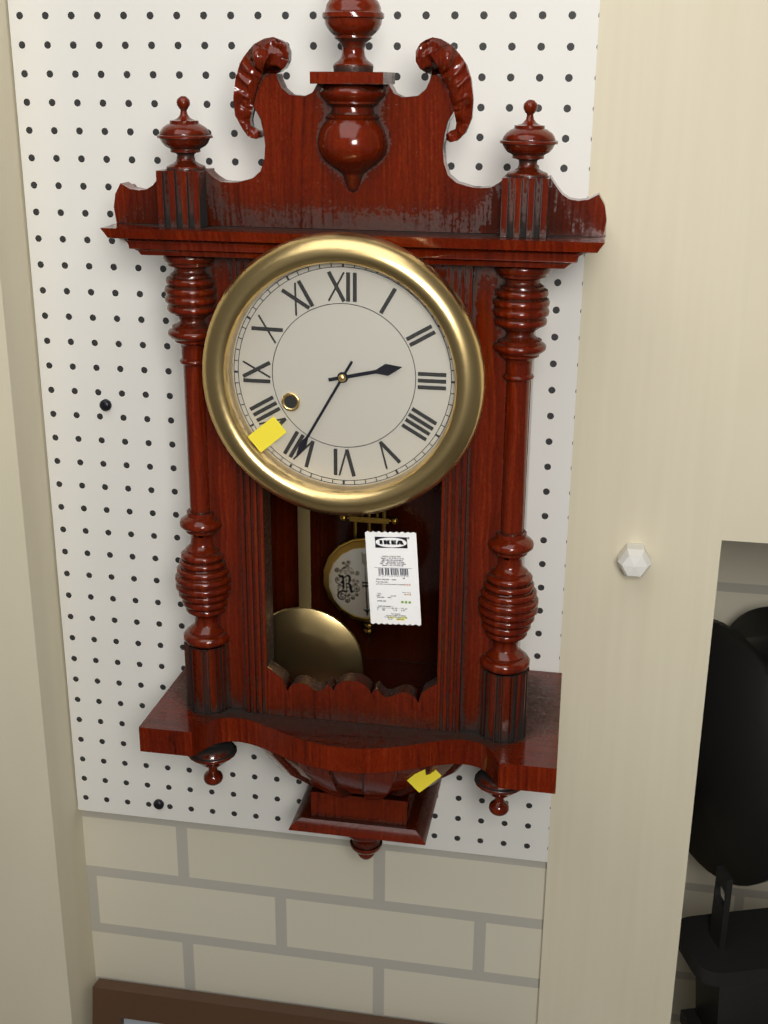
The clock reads **2:35**
